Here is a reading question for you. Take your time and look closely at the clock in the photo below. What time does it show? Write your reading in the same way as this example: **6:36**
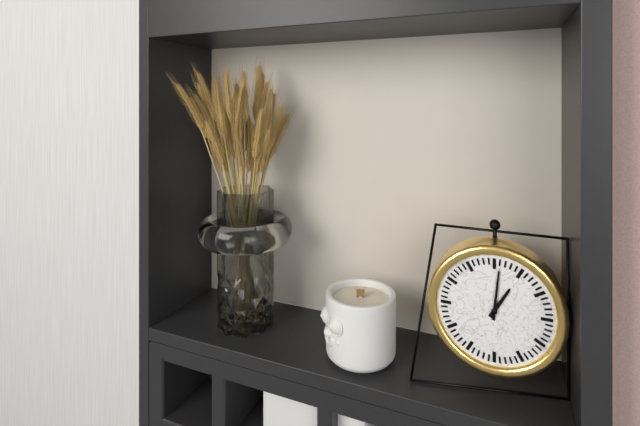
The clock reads **1:01**
